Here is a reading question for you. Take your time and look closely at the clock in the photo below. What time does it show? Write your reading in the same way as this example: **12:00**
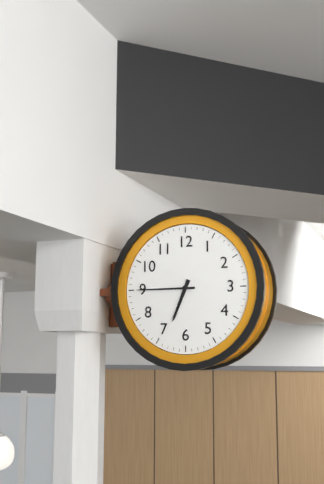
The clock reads **6:45**
